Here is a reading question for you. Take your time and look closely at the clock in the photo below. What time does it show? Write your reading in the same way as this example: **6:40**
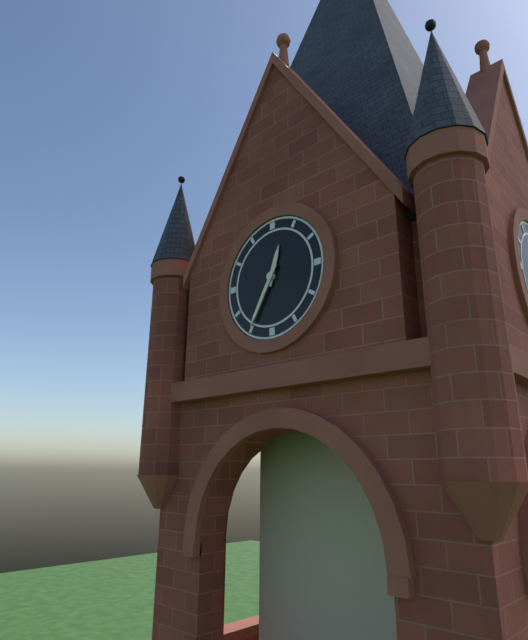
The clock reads **12:35**
